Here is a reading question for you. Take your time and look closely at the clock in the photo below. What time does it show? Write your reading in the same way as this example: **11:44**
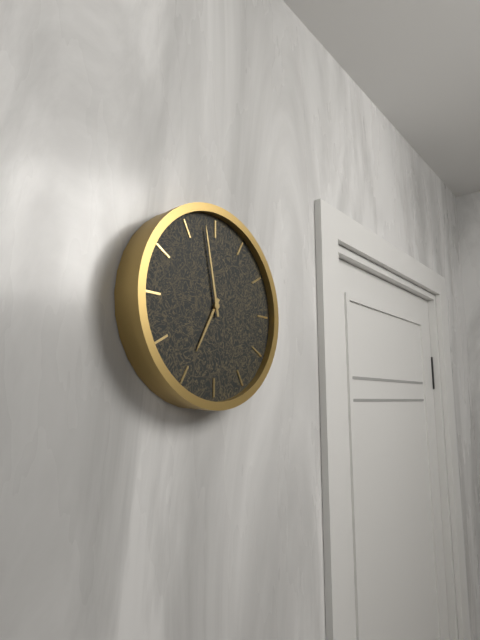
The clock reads **6:58**
